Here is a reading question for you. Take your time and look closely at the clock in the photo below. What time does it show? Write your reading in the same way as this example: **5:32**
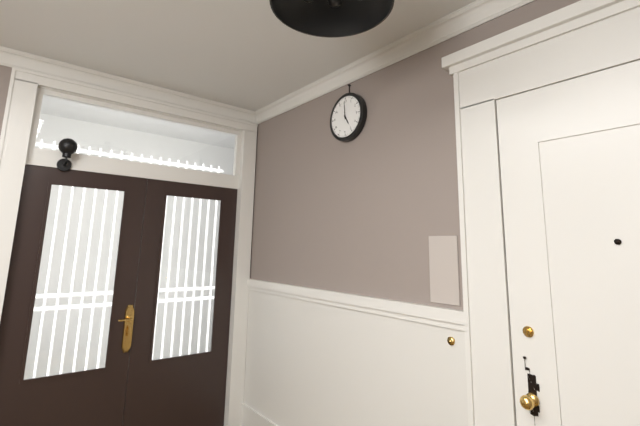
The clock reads **4:59**
